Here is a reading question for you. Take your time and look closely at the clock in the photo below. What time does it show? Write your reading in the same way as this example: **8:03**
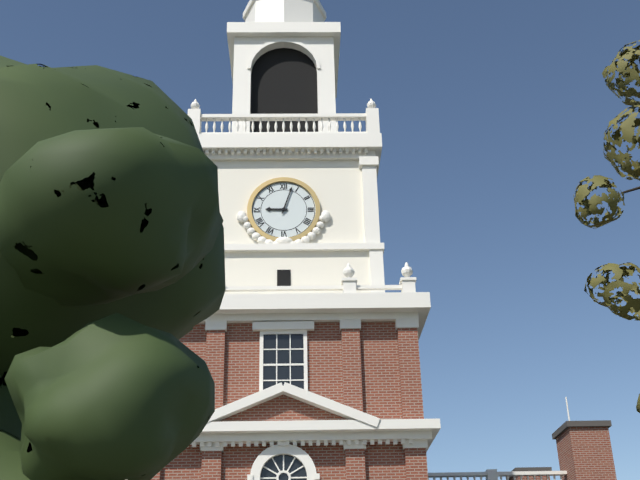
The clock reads **9:03**
